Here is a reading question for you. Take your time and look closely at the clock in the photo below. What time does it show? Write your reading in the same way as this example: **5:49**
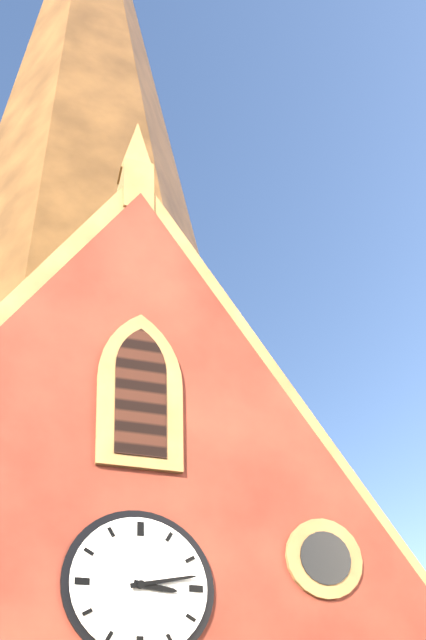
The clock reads **3:13**
